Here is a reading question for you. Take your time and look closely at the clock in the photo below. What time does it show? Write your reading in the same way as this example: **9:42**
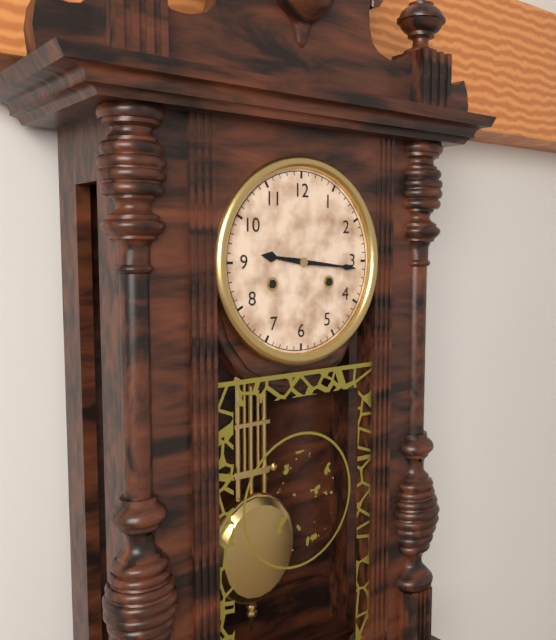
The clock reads **9:16**
